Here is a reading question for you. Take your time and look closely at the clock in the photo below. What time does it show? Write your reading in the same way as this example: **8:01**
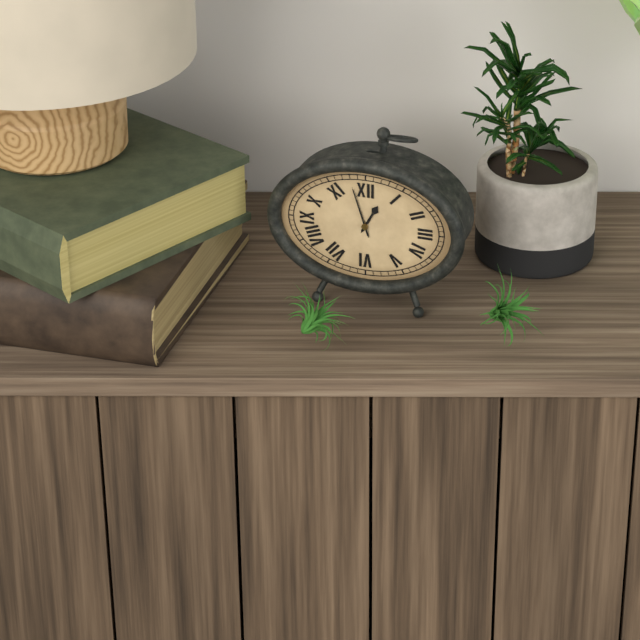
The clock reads **12:57**
